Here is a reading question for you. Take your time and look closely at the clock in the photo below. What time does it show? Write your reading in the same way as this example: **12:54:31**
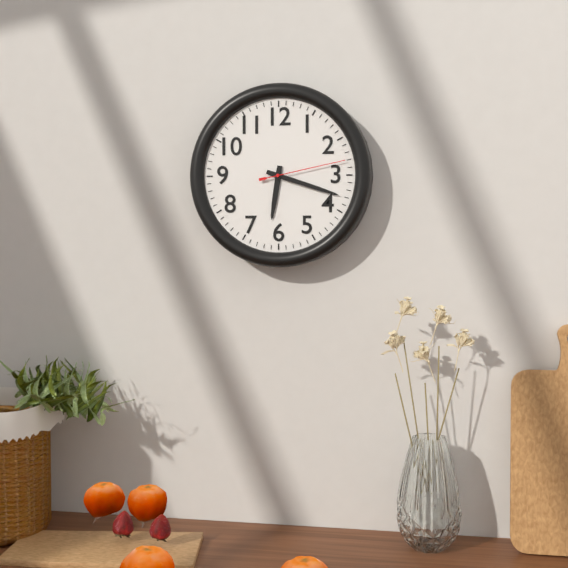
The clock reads **6:18:13**
